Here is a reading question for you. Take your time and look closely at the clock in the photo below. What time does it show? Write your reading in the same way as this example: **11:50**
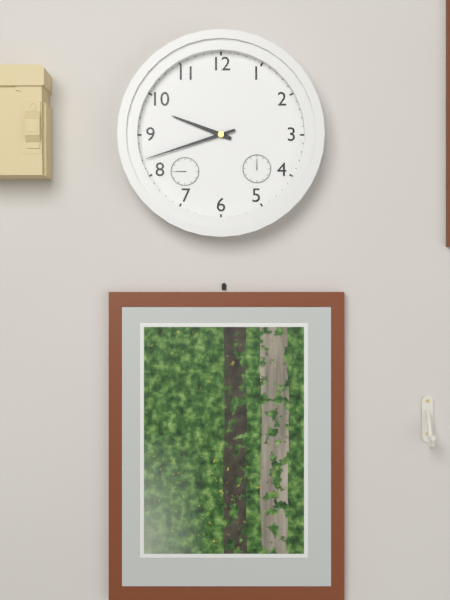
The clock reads **9:42**
